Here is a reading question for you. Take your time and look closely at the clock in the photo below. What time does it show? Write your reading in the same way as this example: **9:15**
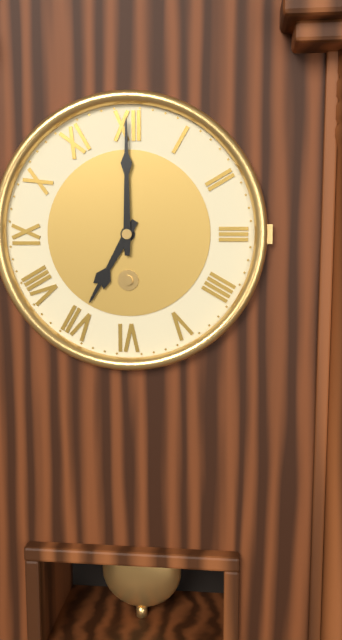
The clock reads **7:00**
